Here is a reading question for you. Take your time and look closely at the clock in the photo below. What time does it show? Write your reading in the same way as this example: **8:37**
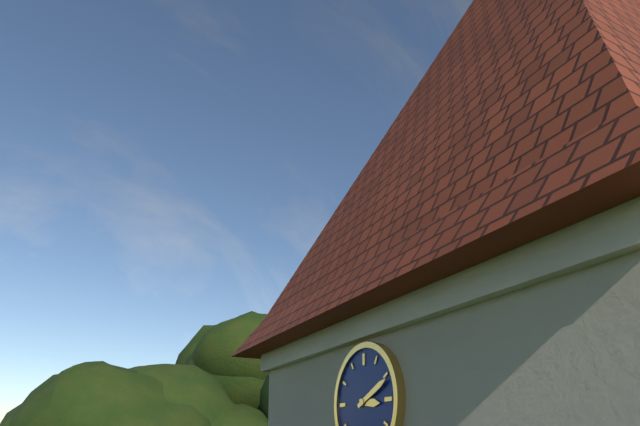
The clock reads **3:11**
